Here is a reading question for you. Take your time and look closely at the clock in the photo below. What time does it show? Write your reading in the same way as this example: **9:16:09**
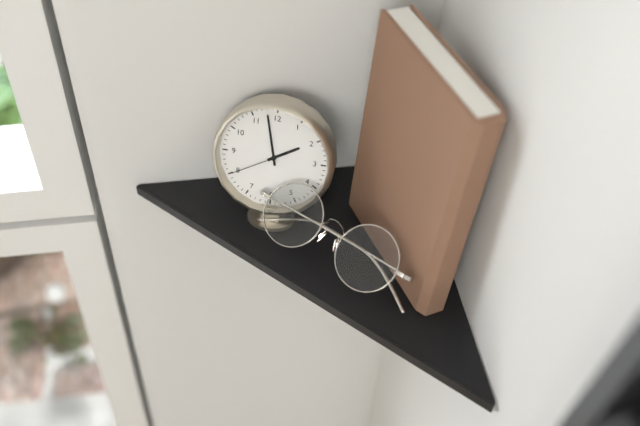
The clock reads **1:58:40**
